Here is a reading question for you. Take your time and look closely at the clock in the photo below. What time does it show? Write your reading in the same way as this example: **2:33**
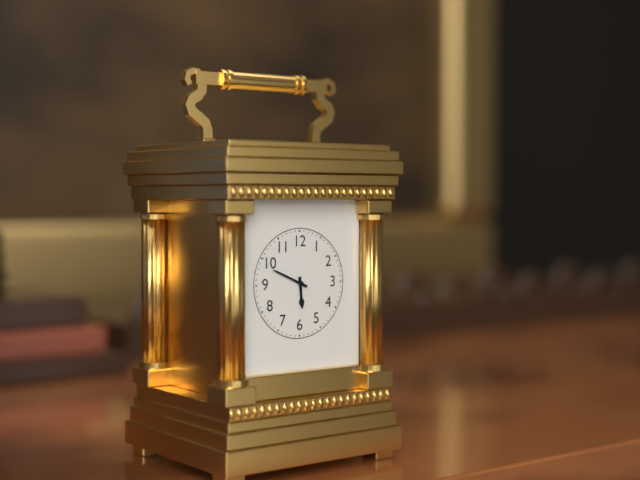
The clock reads **5:49**
